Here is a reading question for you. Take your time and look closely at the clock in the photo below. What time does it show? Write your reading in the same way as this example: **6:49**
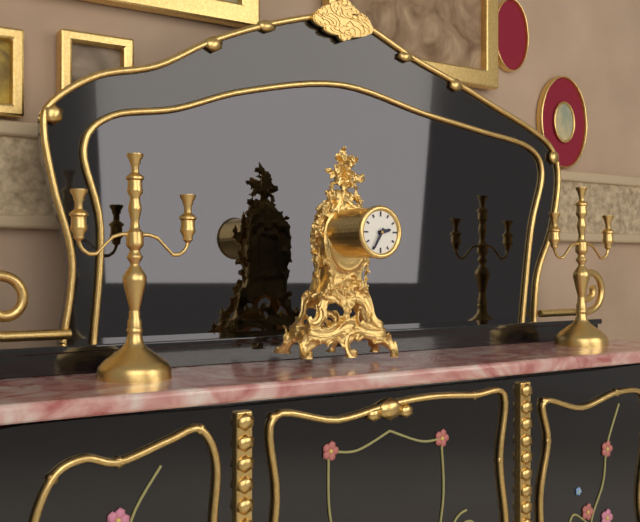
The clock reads **2:35**
